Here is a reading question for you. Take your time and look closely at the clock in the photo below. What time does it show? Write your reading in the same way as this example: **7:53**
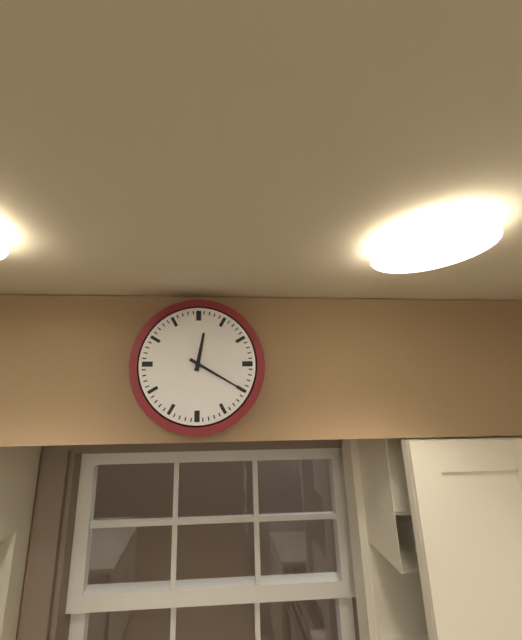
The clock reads **12:20**
